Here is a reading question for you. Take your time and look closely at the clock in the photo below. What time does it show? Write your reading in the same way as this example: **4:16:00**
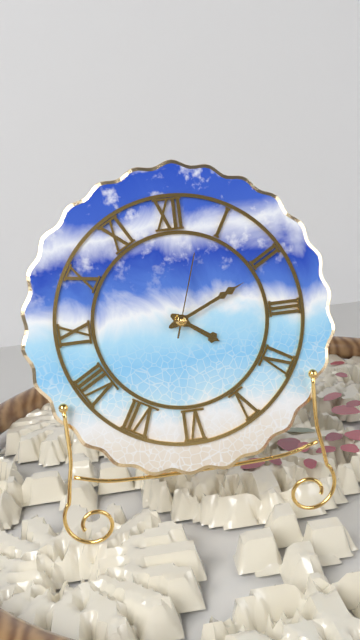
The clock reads **4:11:03**
